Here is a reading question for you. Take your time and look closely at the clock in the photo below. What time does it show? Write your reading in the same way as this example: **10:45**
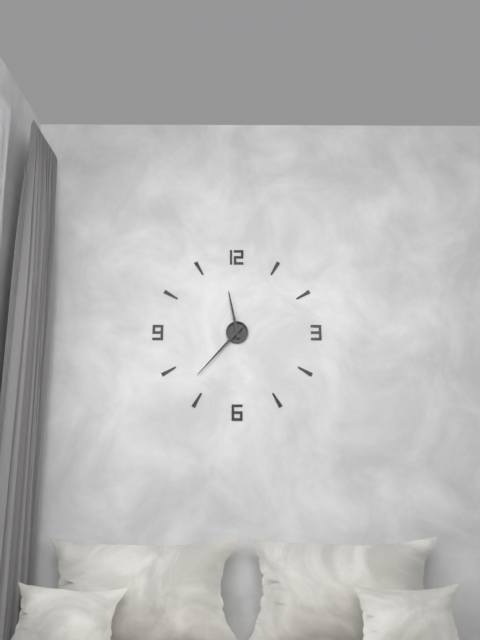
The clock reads **11:37**
